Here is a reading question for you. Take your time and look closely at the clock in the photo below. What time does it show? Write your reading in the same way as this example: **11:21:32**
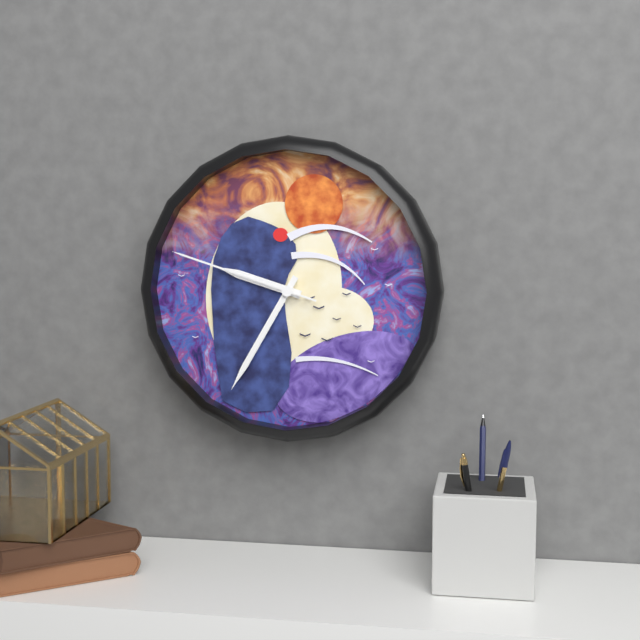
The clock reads **9:35:48**
